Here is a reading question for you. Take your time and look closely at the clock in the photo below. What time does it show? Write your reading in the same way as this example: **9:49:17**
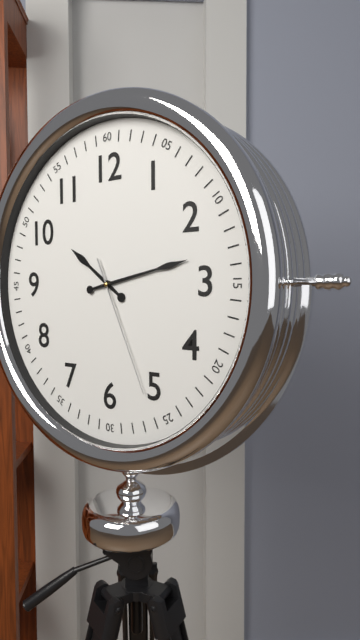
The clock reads **10:13:26**
